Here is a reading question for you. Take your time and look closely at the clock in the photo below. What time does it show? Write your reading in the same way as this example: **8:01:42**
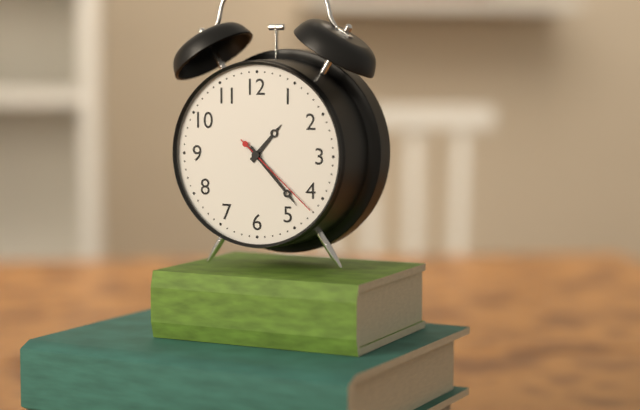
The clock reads **1:23:22**
